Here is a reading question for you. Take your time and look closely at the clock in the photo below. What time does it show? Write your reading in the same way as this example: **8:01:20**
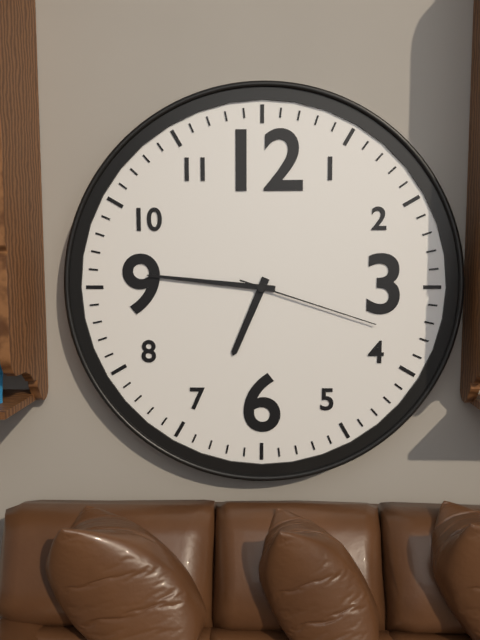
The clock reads **6:46:18**
